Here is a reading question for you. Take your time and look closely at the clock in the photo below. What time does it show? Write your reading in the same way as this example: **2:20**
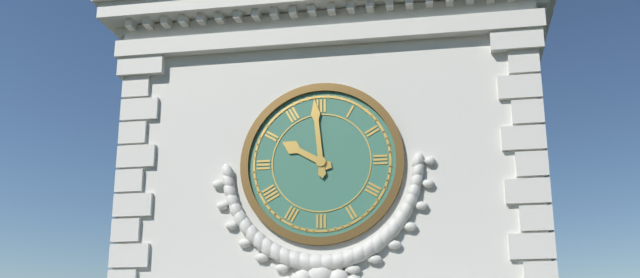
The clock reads **9:59**
